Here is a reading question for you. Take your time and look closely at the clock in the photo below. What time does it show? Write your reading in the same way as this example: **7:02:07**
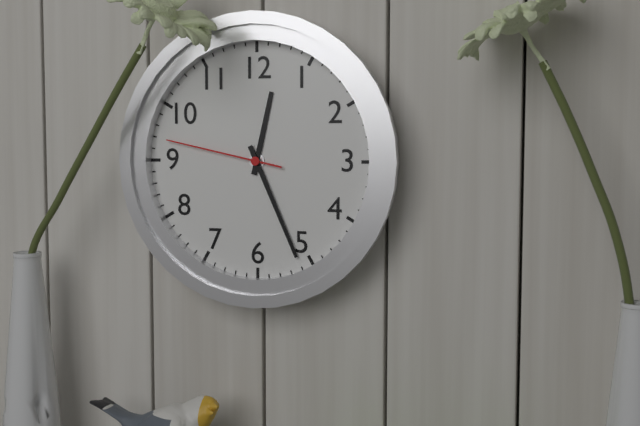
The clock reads **12:26:47**
